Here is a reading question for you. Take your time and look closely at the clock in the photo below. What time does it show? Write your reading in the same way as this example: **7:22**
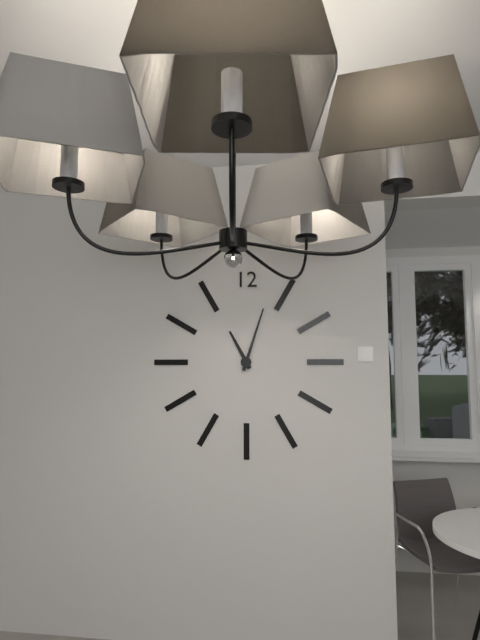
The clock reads **11:03**
